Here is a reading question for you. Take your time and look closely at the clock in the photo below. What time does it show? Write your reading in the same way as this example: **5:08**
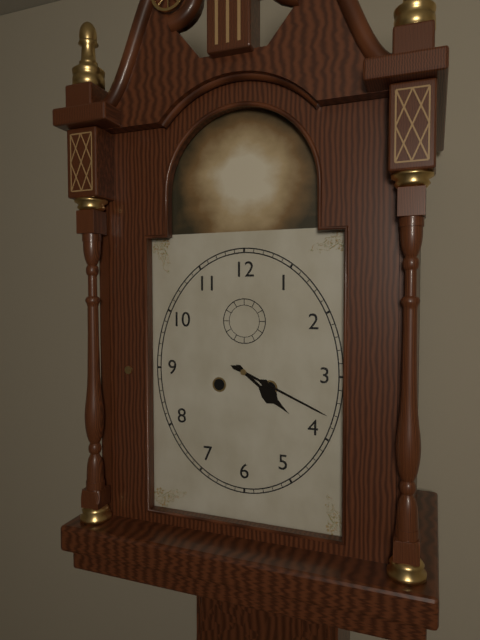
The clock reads **4:19**
